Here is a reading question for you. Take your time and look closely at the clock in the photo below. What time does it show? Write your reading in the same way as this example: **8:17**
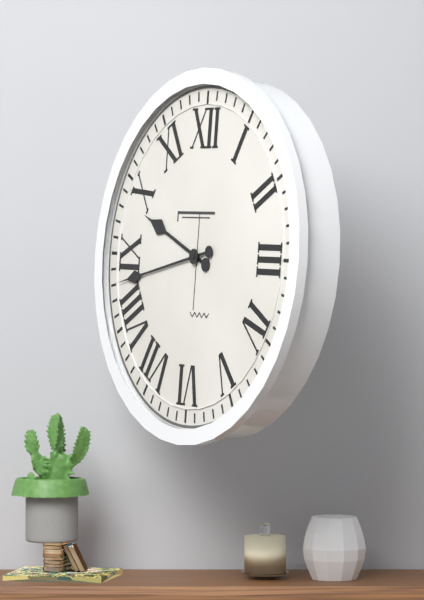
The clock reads **9:43**
